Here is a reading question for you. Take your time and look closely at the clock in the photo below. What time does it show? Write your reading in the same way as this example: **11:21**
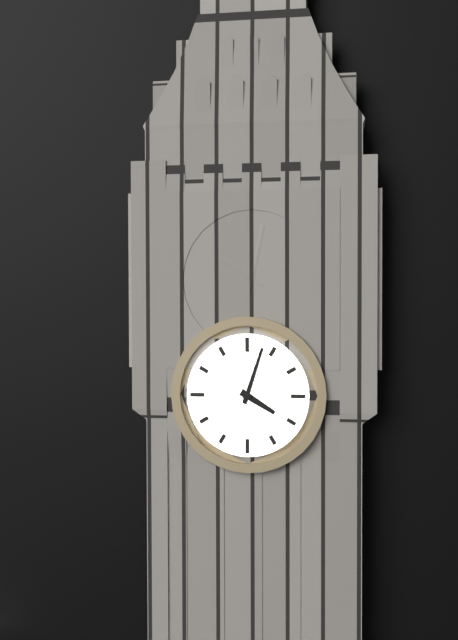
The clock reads **4:03**
